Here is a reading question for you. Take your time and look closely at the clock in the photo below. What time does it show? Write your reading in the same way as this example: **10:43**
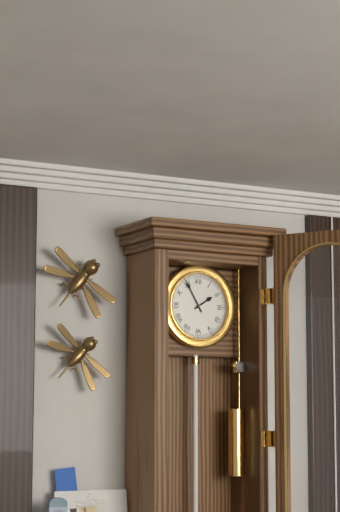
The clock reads **1:55**
